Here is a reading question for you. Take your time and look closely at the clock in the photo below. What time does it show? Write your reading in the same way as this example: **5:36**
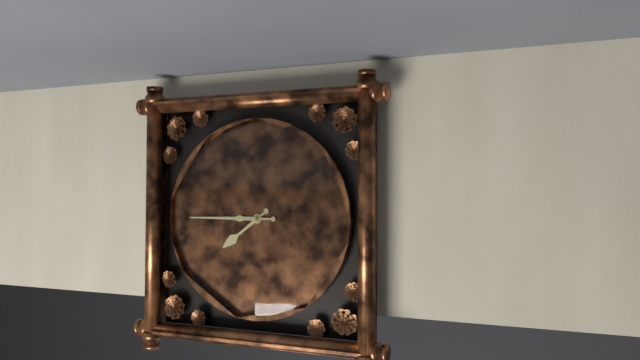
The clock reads **7:45**
